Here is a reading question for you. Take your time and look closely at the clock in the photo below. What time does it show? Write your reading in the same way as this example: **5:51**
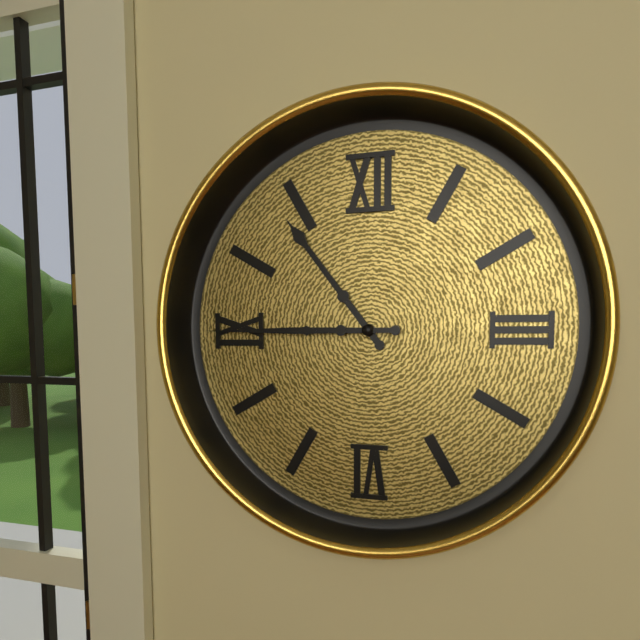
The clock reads **10:45**
